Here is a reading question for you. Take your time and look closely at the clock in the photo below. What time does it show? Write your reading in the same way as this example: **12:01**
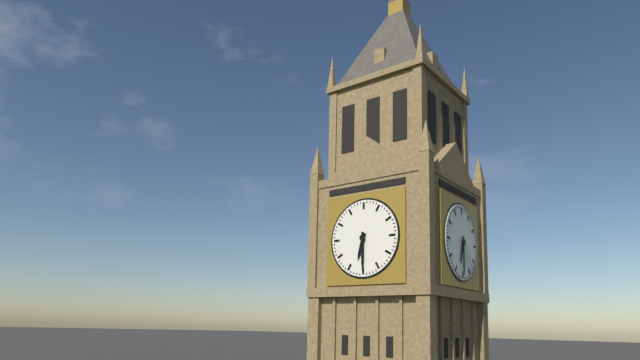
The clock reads **6:30**
